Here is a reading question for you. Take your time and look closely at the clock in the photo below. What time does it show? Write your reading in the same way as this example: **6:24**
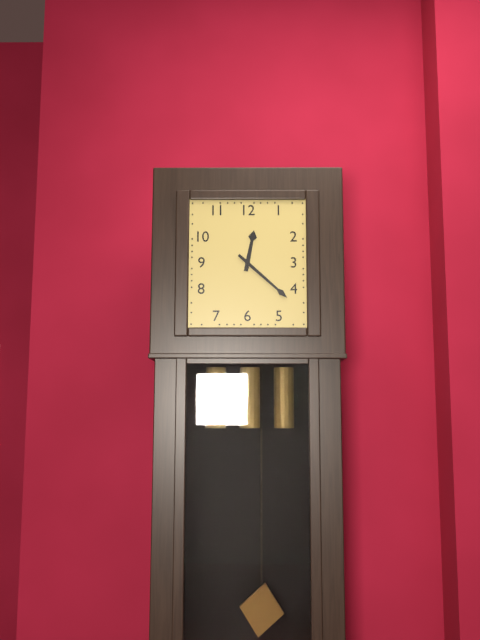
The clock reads **12:22**
